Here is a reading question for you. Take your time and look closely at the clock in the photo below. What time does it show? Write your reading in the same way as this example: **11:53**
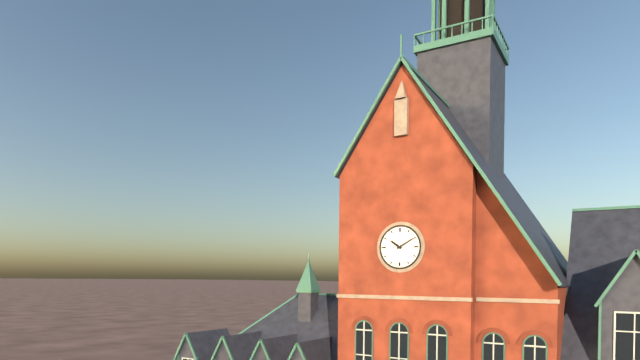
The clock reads **10:10**
